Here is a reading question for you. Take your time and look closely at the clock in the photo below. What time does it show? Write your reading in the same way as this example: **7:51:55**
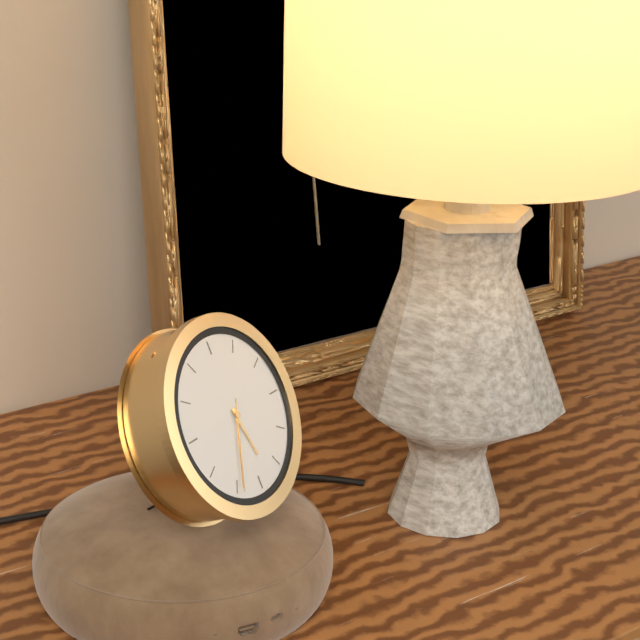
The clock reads **5:34:34**
